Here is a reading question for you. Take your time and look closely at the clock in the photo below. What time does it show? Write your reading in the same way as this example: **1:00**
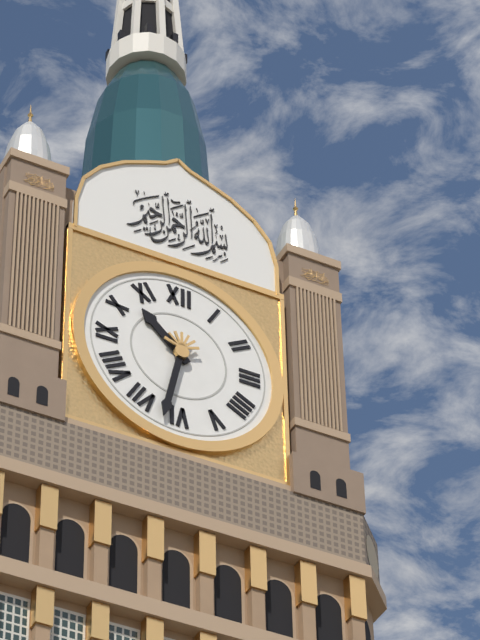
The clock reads **10:32**
